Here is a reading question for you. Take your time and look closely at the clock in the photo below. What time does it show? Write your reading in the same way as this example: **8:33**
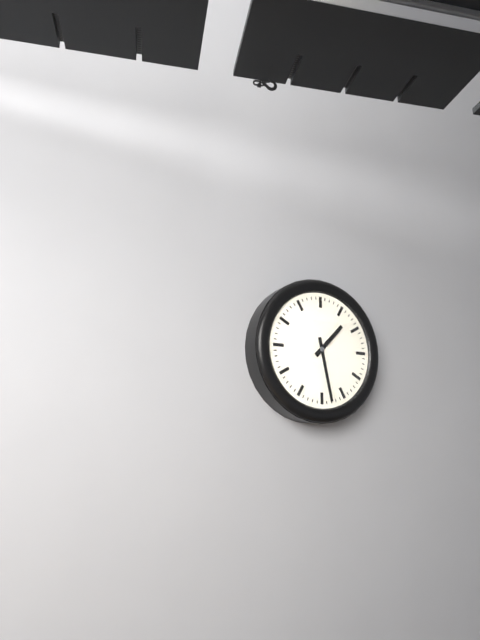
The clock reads **1:28**
